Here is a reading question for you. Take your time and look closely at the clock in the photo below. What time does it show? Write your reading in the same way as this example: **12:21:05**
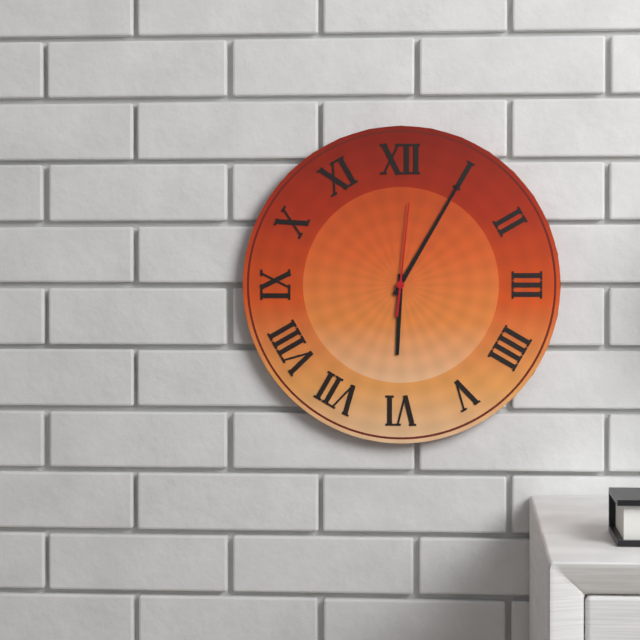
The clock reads **6:05:01**
